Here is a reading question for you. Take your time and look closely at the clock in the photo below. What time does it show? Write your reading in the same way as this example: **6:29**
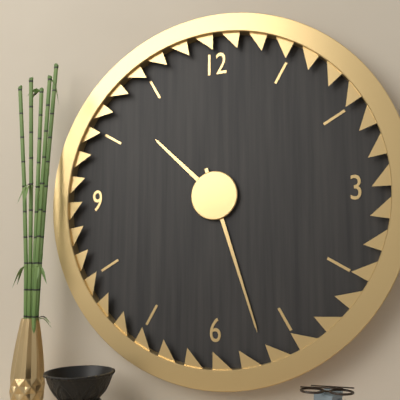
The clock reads **10:27**
